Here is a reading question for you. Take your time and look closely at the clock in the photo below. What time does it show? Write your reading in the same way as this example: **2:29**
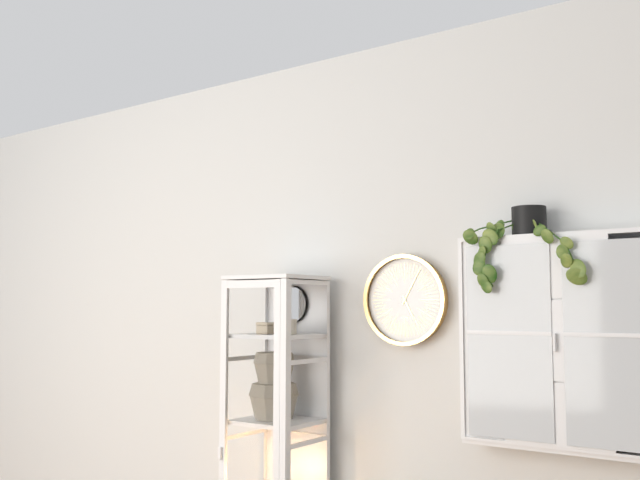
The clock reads **5:05**
